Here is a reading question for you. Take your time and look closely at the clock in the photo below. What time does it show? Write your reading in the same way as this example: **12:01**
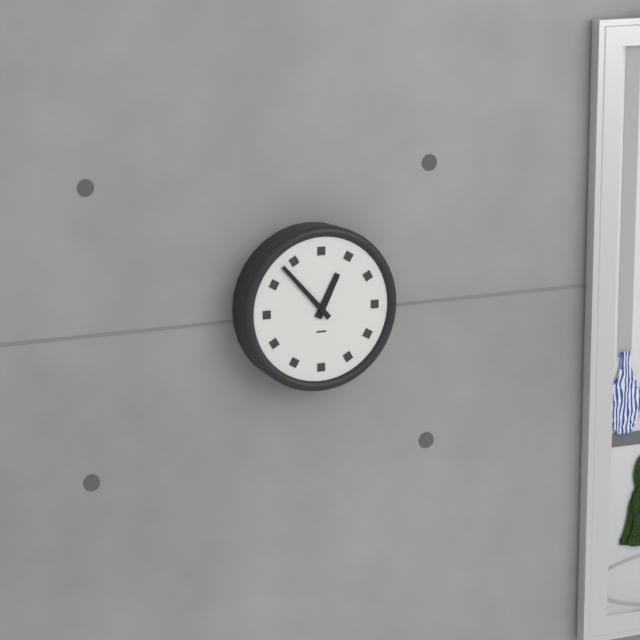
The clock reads **12:53**
